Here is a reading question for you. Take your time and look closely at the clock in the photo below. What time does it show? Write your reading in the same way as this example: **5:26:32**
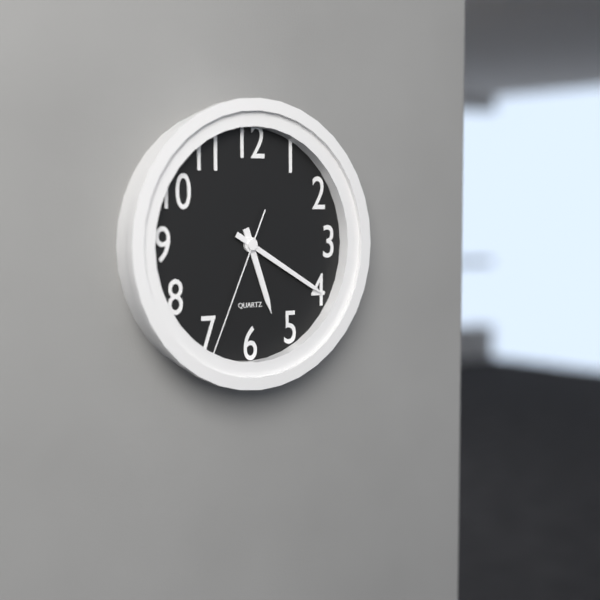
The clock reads **5:20:34**
